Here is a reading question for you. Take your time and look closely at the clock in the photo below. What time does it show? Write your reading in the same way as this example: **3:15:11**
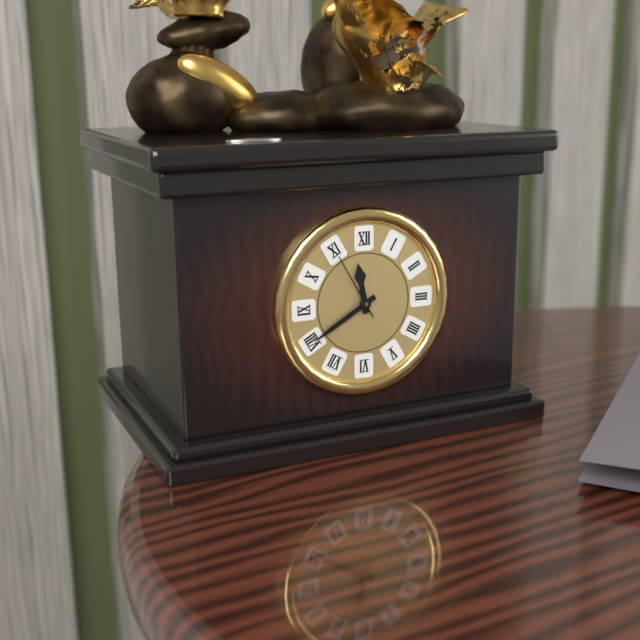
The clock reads **11:40:55**
